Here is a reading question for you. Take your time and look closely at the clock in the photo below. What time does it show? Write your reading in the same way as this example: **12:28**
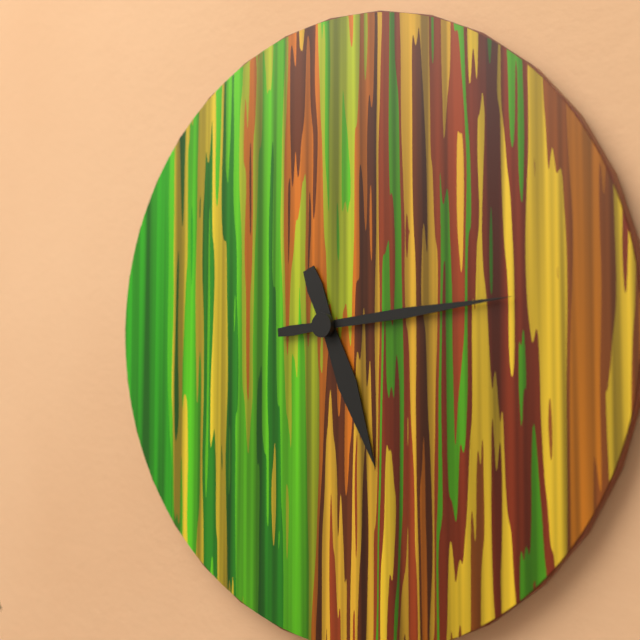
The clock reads **5:14**
